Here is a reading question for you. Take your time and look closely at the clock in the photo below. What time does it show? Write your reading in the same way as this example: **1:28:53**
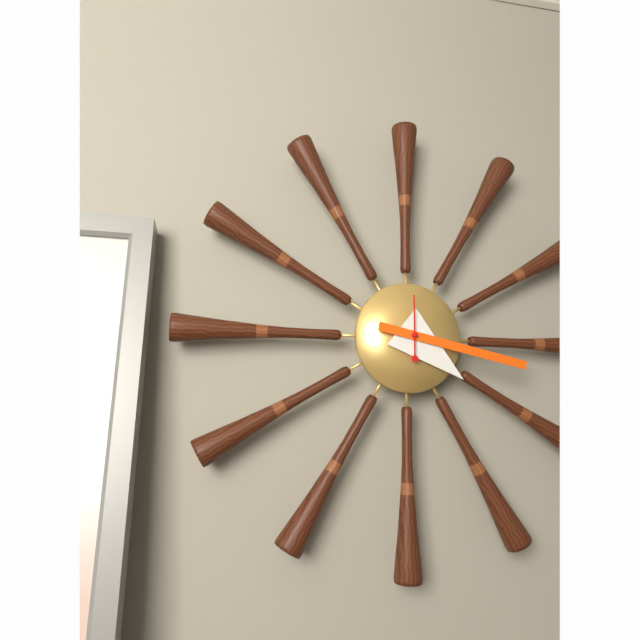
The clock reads **4:17:00**
